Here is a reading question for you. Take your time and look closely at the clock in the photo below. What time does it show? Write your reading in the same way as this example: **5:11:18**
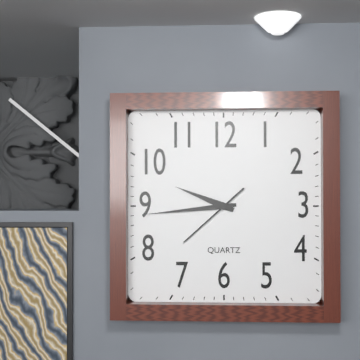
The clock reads **9:44:38**
